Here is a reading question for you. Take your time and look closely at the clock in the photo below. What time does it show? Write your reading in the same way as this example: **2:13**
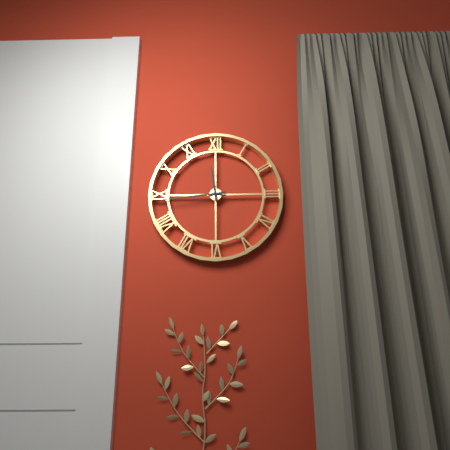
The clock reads **11:44**
